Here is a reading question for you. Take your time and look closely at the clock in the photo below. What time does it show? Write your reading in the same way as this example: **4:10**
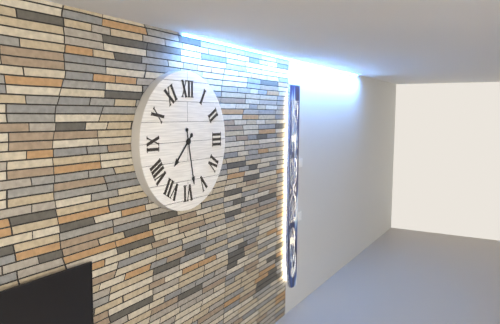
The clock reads **7:28**
